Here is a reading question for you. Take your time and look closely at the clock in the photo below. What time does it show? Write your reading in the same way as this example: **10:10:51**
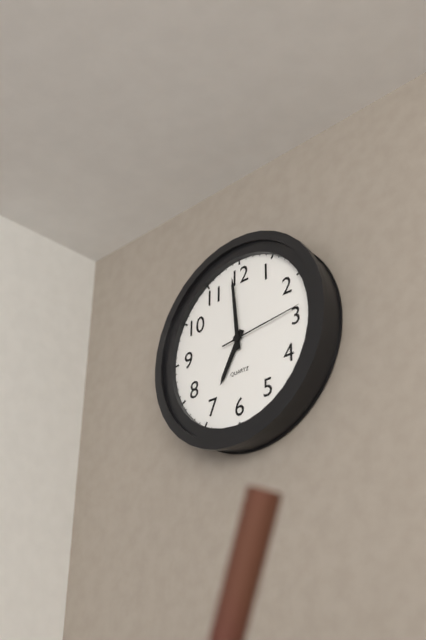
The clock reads **6:59:14**
